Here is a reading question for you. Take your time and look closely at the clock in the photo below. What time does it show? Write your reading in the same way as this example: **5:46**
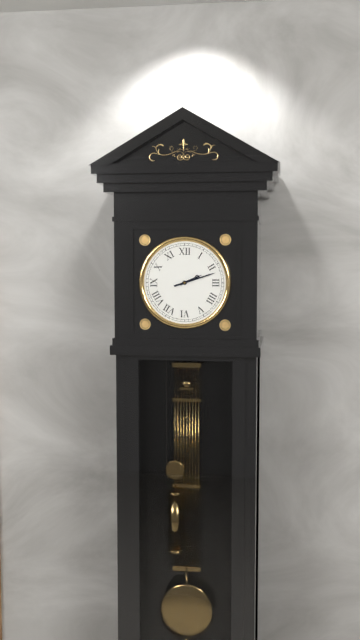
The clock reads **2:12**
